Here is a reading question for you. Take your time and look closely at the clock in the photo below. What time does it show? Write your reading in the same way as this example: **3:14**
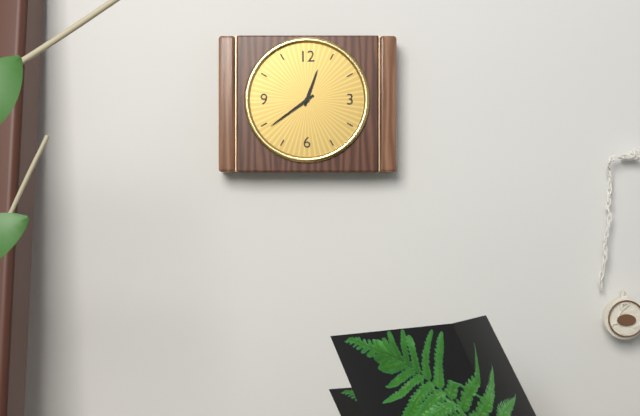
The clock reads **12:39**
